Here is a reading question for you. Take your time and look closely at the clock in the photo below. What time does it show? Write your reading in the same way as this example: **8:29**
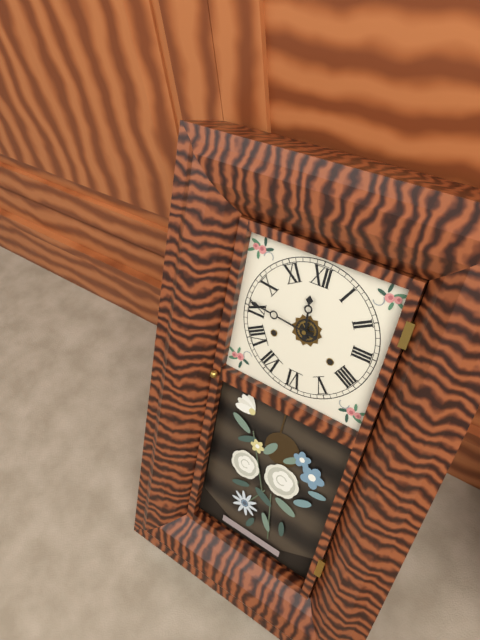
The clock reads **11:46**
